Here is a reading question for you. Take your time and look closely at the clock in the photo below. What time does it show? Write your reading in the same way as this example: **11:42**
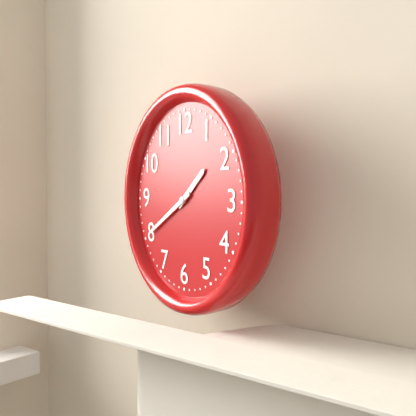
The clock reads **1:40**
